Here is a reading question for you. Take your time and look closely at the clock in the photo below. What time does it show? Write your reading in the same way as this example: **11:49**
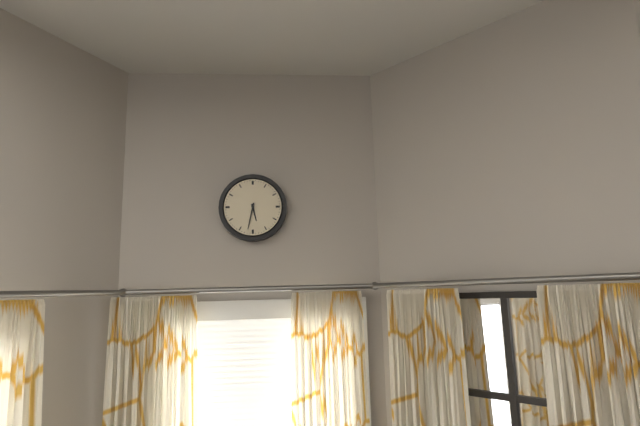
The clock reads **5:32**
